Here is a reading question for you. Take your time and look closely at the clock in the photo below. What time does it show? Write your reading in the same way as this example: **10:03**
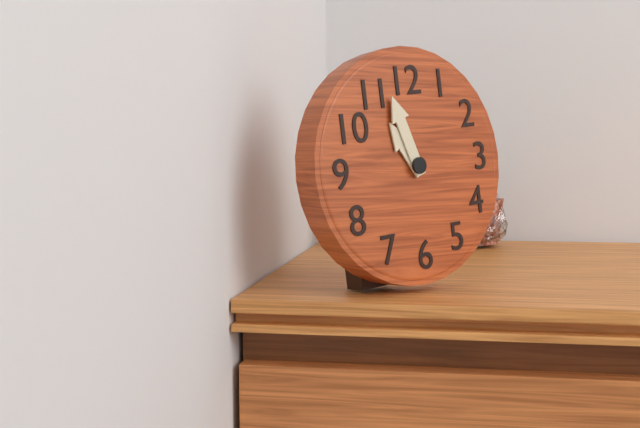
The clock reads **10:57**
